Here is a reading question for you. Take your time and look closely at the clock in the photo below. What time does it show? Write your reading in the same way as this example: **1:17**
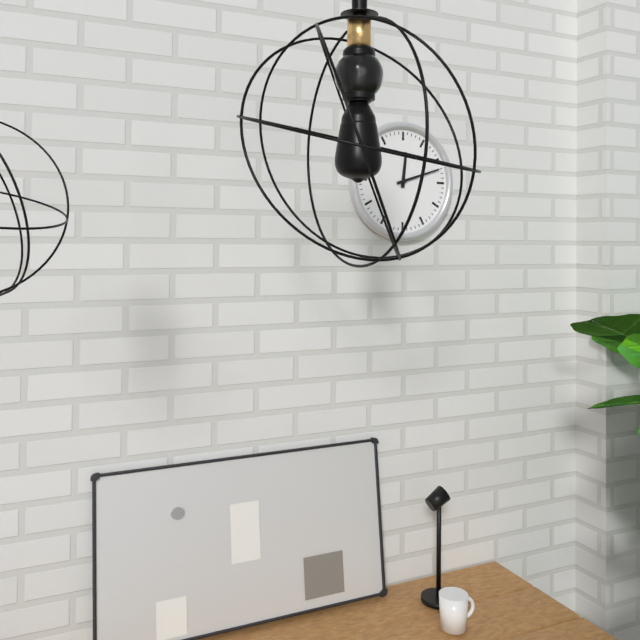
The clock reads **12:12**
